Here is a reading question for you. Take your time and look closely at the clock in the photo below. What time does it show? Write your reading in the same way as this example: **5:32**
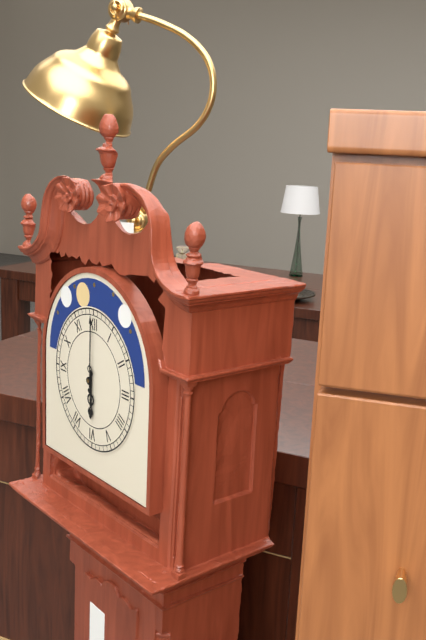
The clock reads **6:00**
